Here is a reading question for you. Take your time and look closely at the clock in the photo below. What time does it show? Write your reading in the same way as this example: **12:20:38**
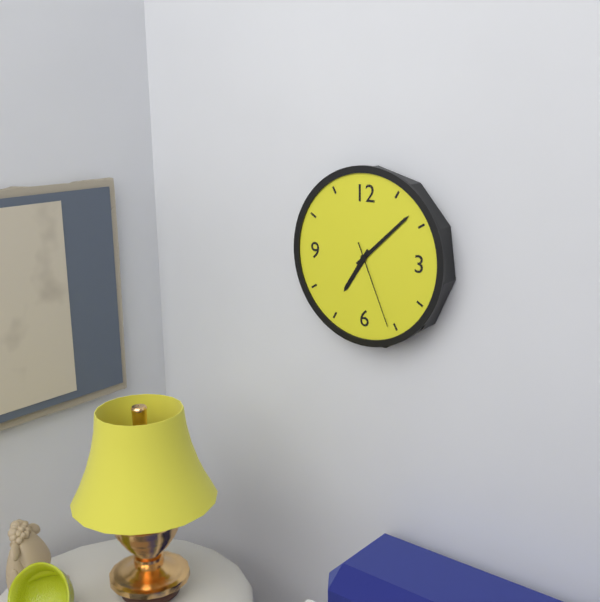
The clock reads **7:08:26**
